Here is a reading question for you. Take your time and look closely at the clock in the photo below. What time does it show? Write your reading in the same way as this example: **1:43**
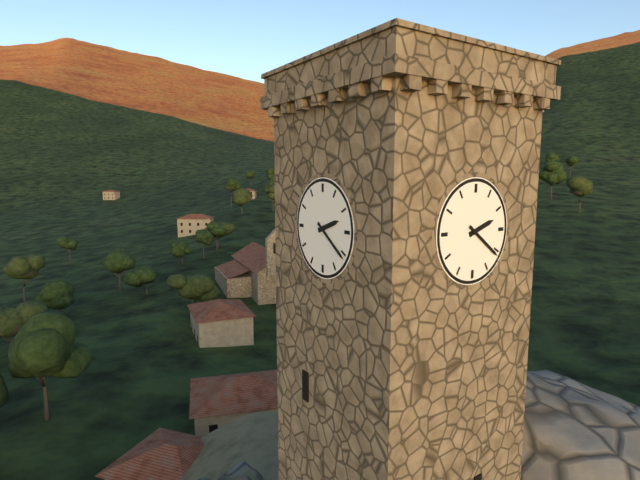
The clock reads **2:21**
